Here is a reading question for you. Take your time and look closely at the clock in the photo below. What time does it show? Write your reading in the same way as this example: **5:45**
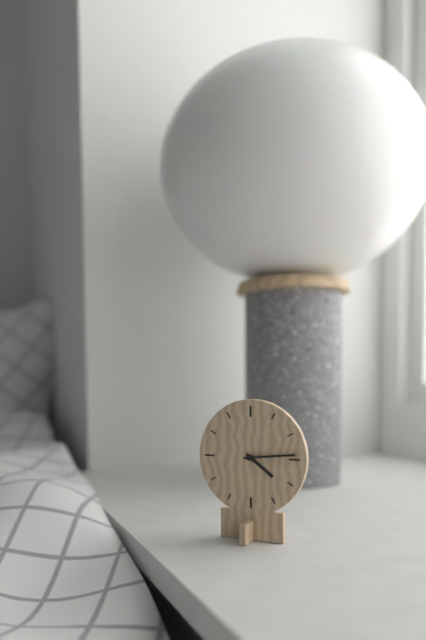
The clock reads **4:14**
